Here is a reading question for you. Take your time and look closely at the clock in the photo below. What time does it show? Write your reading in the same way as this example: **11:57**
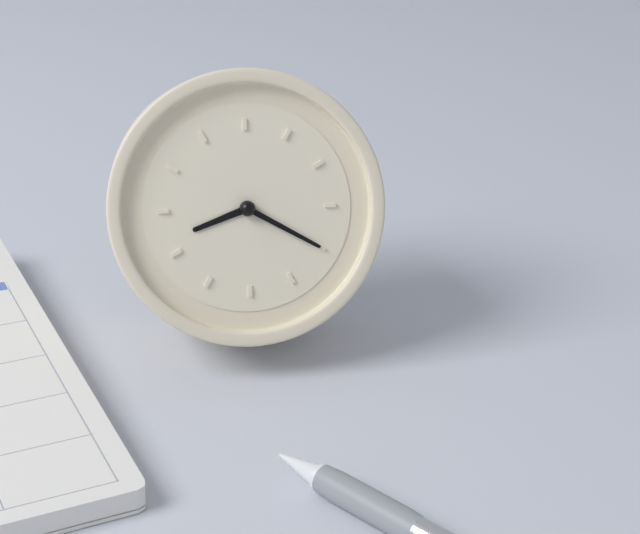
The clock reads **8:20**
